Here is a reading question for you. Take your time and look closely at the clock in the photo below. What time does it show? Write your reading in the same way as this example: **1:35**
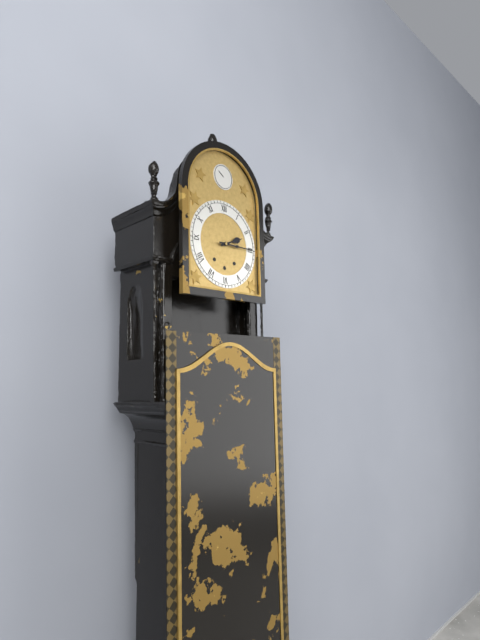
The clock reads **2:15**
